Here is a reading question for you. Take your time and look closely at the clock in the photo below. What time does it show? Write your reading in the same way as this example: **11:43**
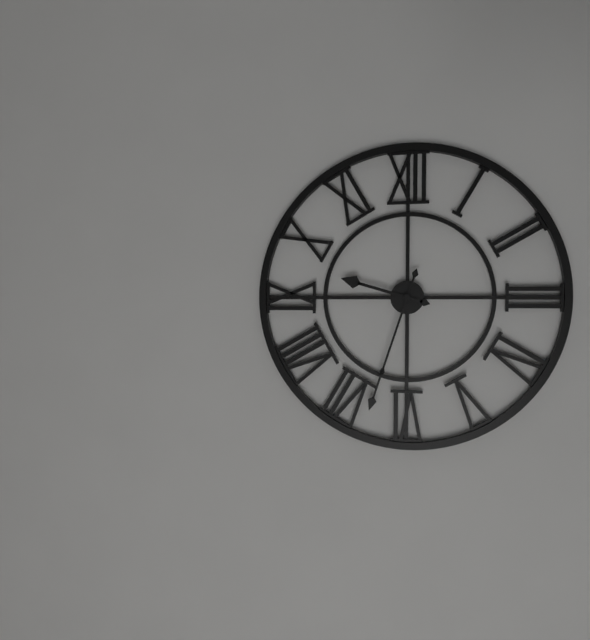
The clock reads **9:33**
